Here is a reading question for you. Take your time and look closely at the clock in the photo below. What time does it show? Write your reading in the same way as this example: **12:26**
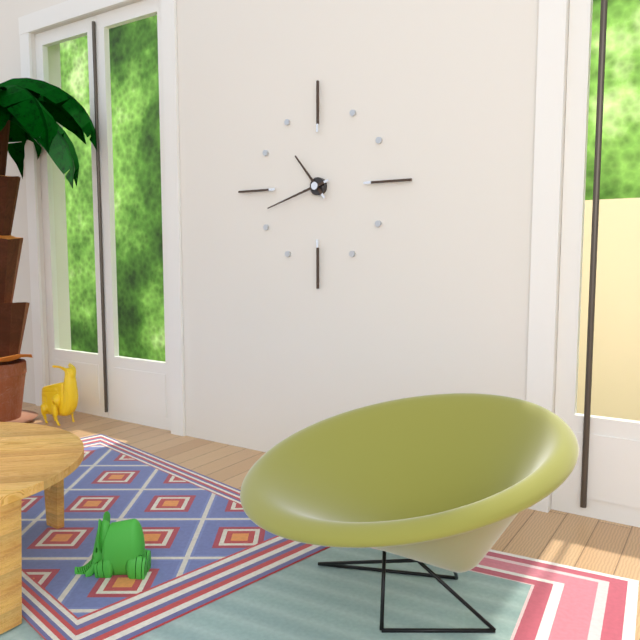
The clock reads **10:42**
